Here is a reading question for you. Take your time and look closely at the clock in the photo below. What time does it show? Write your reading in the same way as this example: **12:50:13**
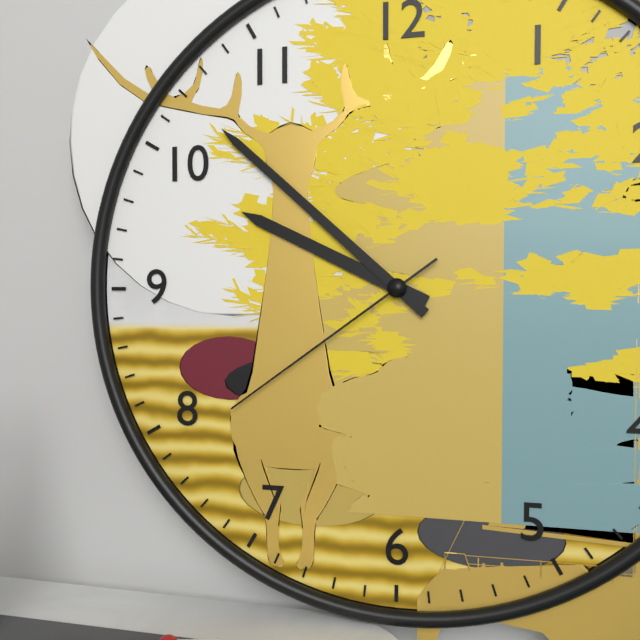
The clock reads **9:52:39**
